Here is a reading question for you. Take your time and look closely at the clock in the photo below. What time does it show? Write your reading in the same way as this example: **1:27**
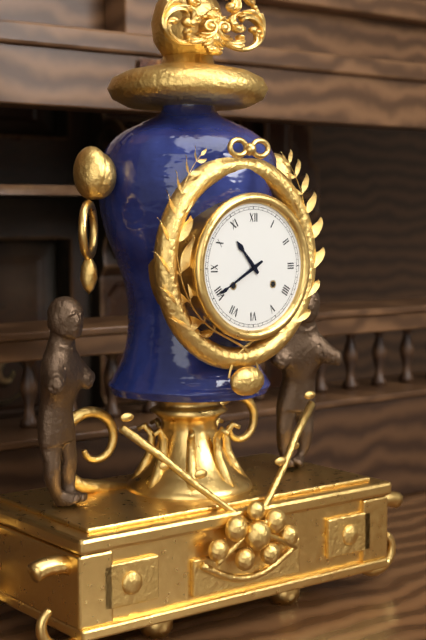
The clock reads **10:40**
